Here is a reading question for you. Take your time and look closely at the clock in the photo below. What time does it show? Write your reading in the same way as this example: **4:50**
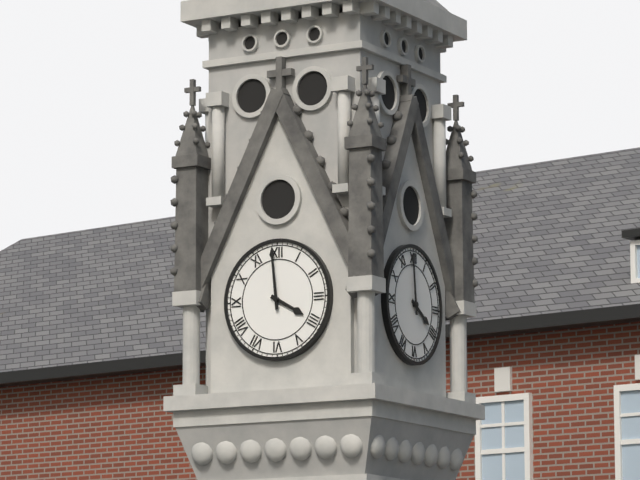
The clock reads **3:59**
